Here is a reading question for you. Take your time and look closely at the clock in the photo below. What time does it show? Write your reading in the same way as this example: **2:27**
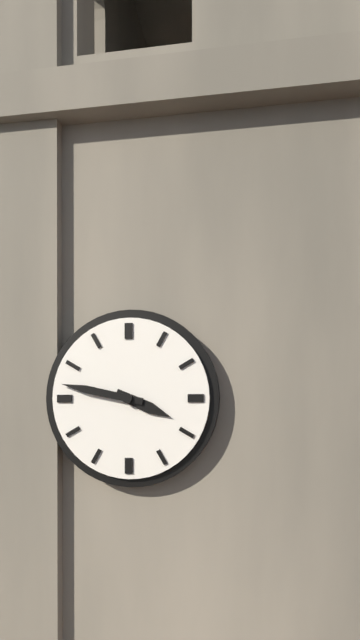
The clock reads **3:47**
